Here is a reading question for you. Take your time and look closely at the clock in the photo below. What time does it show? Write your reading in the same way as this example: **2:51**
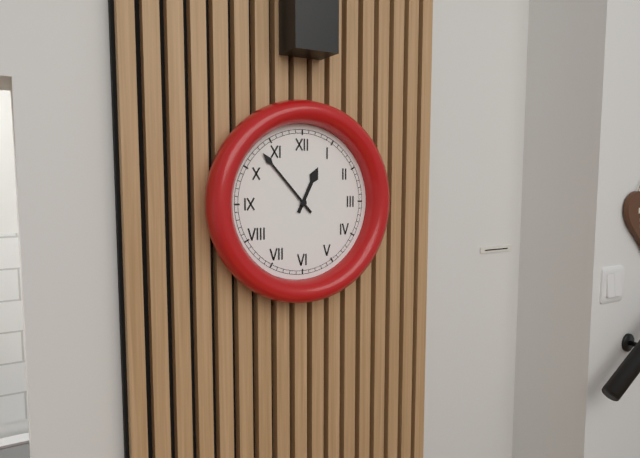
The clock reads **12:53**
